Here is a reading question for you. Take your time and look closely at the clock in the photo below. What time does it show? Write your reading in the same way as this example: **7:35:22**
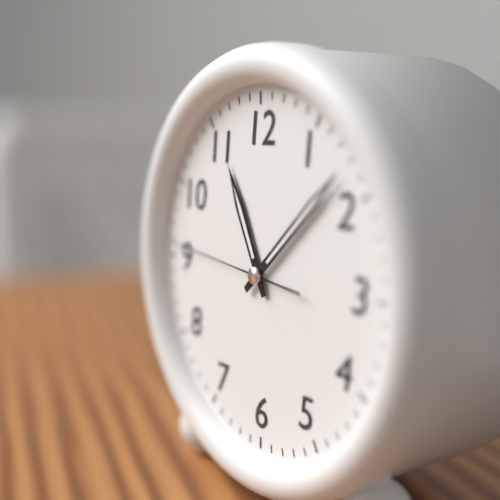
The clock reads **11:08:46**
